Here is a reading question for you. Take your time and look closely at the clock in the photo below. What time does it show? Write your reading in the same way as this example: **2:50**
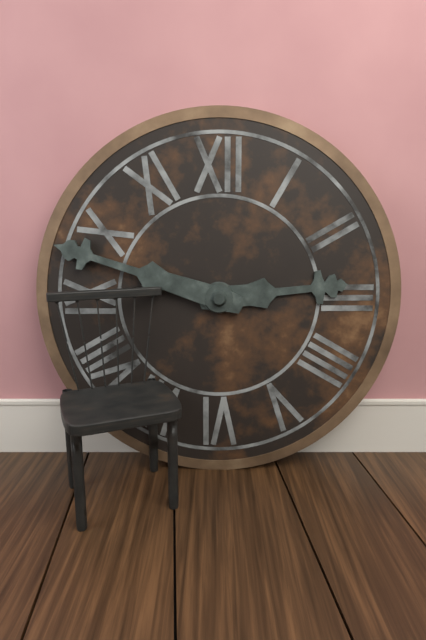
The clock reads **2:48**
